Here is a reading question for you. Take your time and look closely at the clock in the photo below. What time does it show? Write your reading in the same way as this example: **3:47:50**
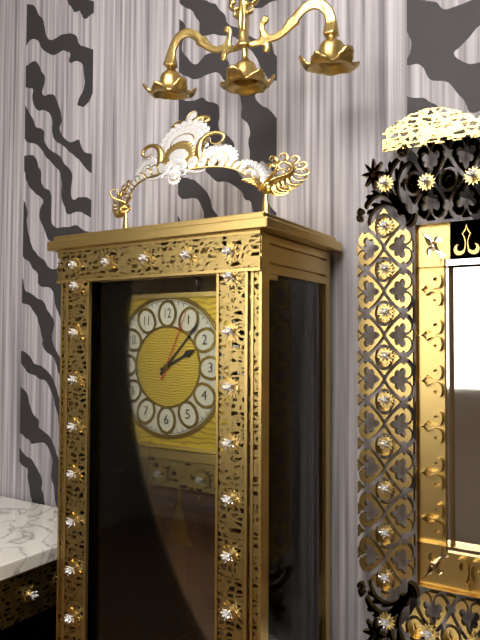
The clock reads **2:07:04**
